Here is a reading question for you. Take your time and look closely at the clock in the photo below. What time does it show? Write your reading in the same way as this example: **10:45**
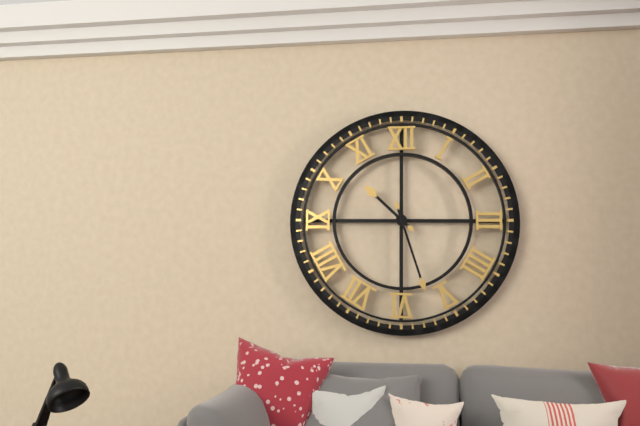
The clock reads **10:27**
